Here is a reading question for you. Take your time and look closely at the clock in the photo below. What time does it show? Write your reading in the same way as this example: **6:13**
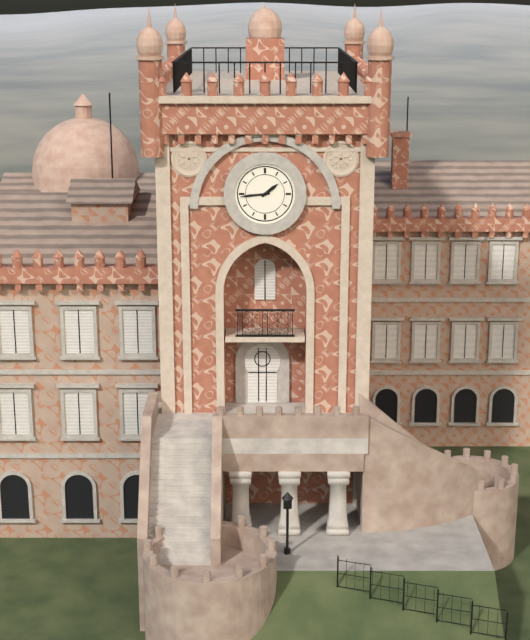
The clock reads **1:44**
